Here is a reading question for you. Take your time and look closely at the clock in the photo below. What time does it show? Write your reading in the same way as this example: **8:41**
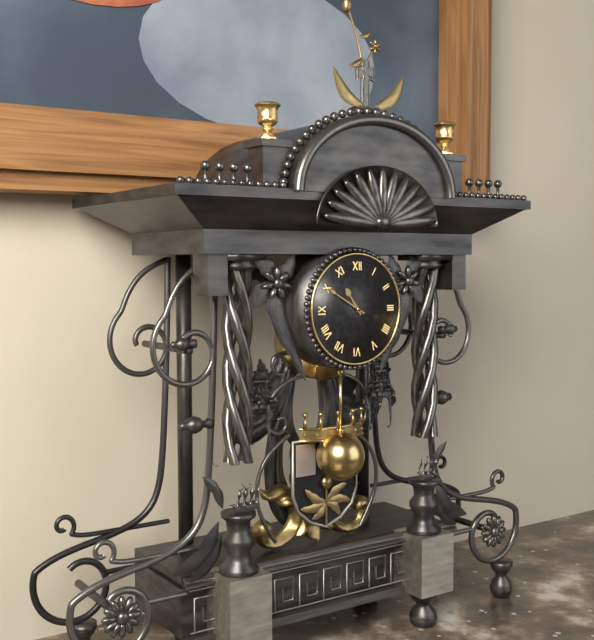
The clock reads **10:50**
